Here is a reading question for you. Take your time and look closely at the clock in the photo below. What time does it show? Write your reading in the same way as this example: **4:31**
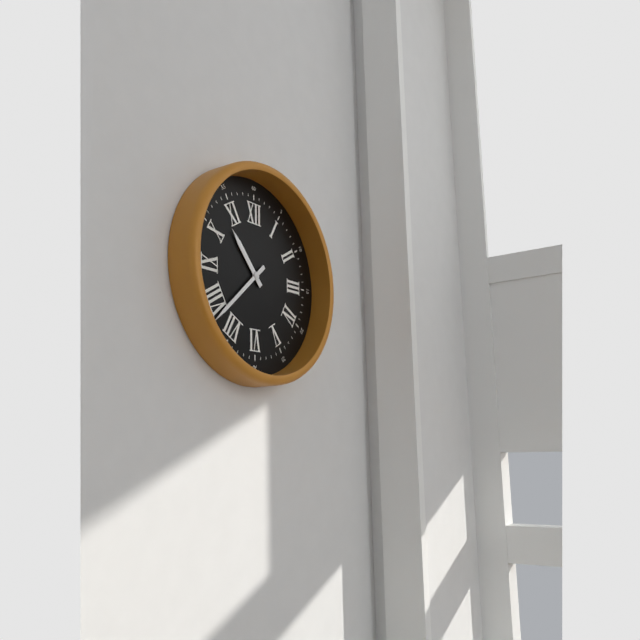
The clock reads **10:38**
